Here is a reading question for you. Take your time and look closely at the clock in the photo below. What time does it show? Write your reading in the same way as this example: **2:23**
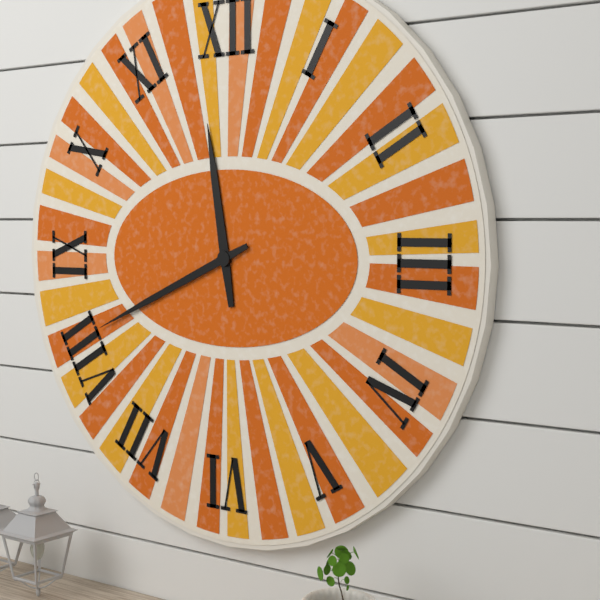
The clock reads **11:41**
